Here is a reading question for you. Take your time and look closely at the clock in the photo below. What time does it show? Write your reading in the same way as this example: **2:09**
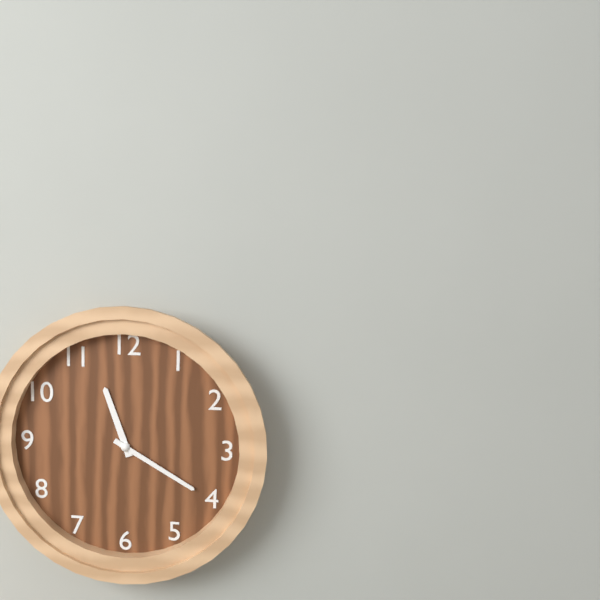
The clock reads **11:20**
